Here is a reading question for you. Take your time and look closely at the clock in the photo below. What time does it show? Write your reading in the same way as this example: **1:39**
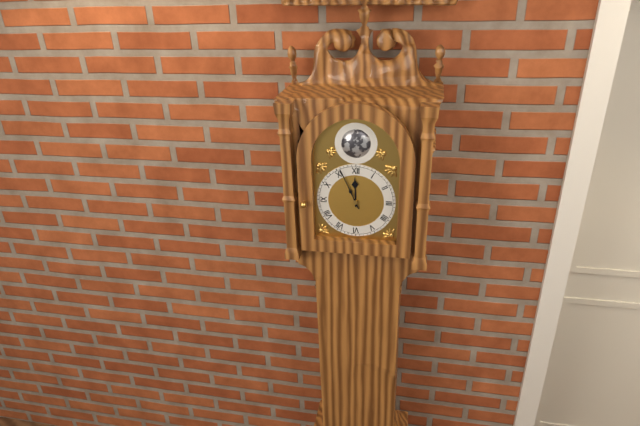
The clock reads **11:56**
